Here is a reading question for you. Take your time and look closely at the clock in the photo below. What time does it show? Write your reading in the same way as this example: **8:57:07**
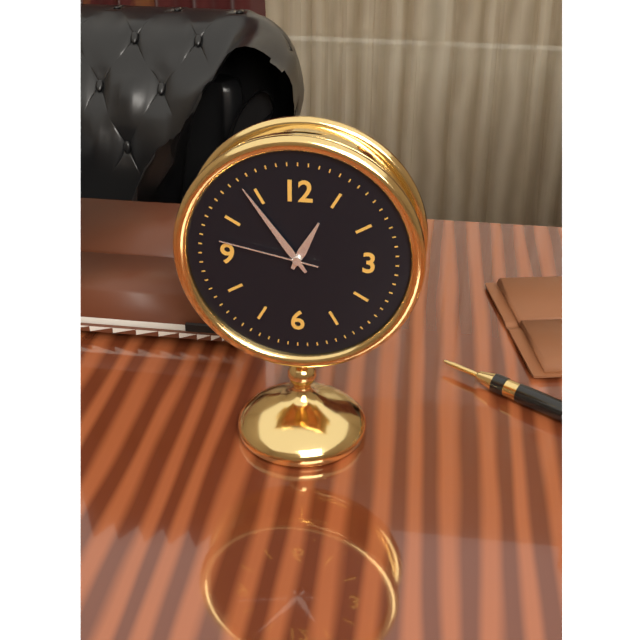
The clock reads **12:54:47**
